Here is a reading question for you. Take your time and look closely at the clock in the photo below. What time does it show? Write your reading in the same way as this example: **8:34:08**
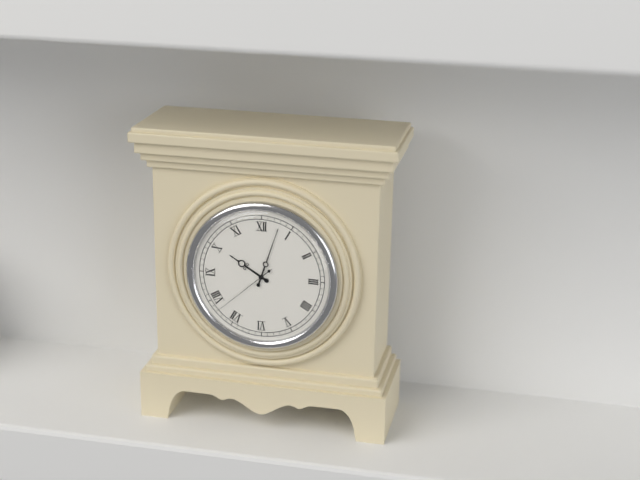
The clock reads **10:03:38**
